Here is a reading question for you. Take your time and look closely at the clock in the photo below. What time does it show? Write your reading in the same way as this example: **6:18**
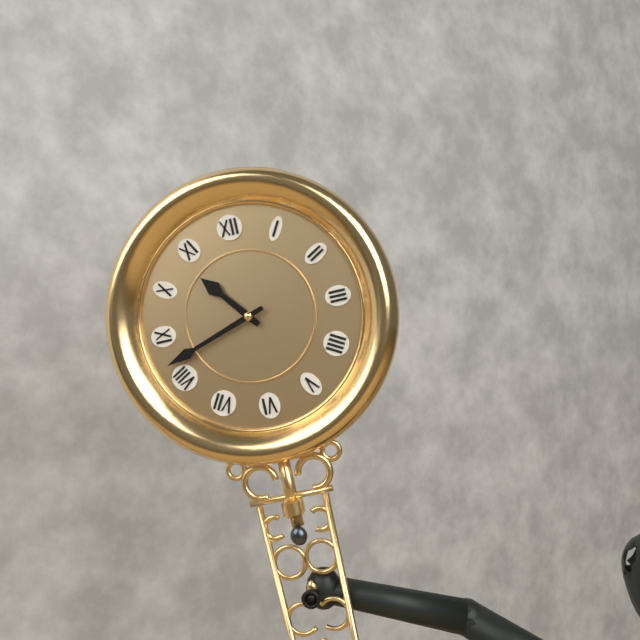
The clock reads **10:42**
